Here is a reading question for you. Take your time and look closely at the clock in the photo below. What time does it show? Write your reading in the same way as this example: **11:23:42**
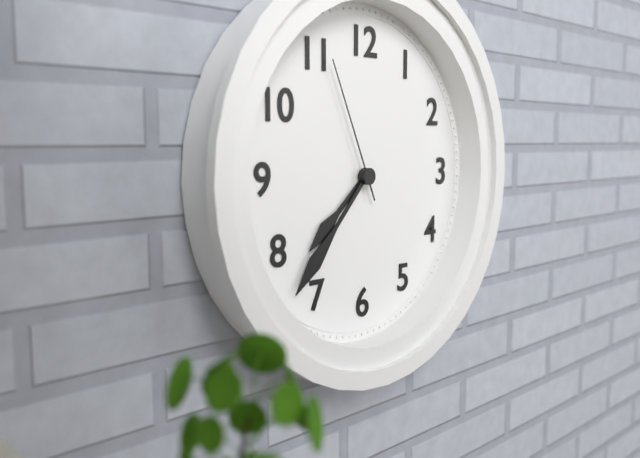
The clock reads **7:37:56**
